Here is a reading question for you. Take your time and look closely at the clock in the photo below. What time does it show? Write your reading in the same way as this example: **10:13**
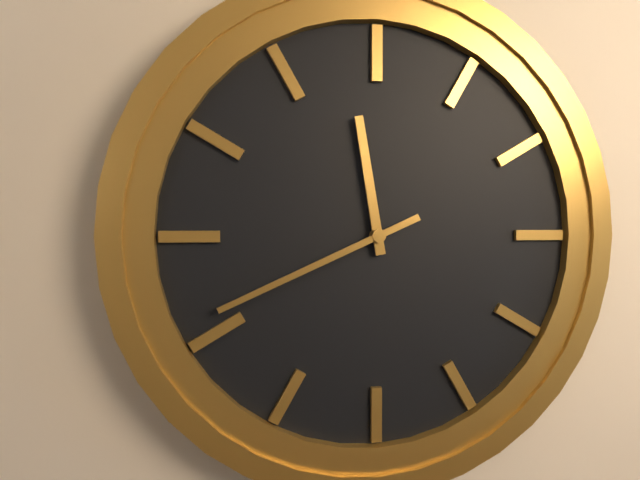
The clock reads **11:41**
